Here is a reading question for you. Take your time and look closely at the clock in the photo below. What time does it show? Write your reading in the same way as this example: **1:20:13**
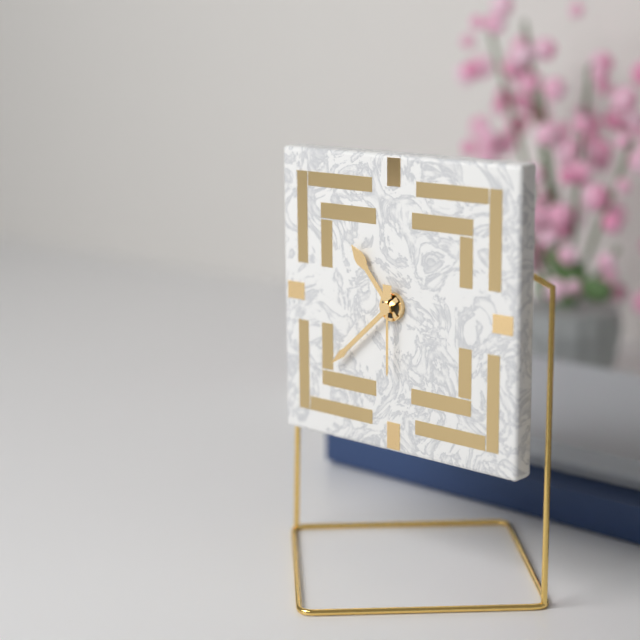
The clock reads **10:38:30**
